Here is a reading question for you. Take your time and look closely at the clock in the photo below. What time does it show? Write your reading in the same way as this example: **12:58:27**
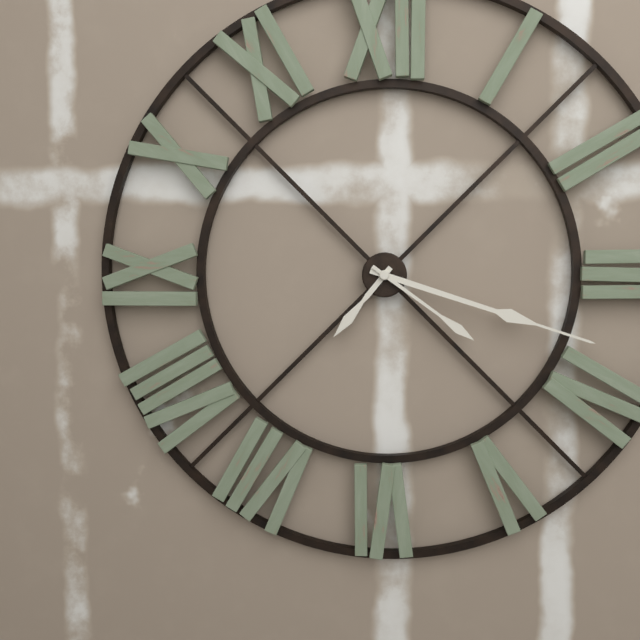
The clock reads **7:18:21**
